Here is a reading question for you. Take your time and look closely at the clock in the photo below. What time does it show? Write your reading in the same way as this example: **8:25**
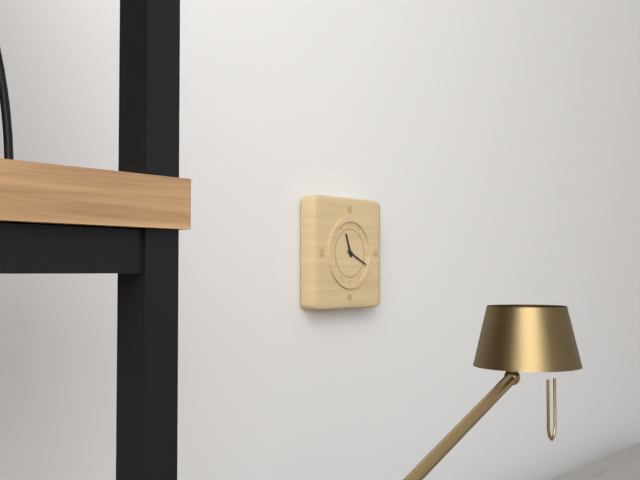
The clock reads **11:19**
